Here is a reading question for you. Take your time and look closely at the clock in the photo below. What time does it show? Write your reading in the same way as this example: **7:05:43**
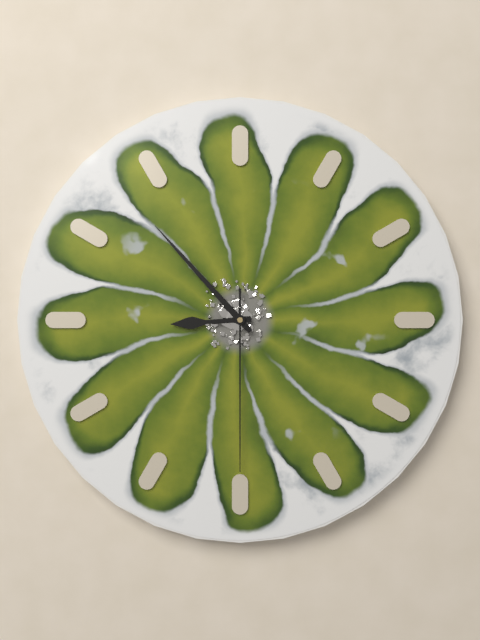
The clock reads **8:53:30**
